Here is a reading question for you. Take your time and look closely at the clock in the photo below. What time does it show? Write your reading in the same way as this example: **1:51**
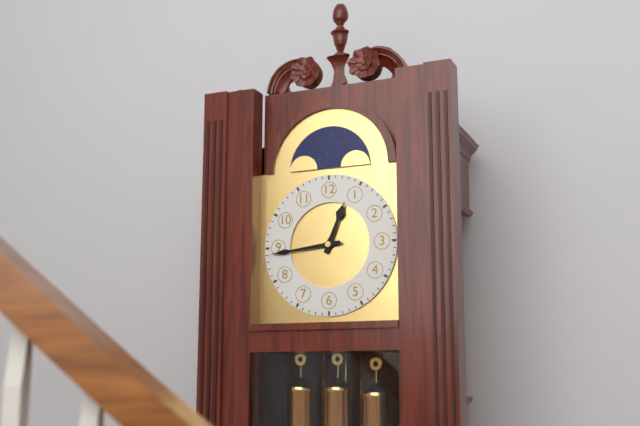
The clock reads **12:44**
